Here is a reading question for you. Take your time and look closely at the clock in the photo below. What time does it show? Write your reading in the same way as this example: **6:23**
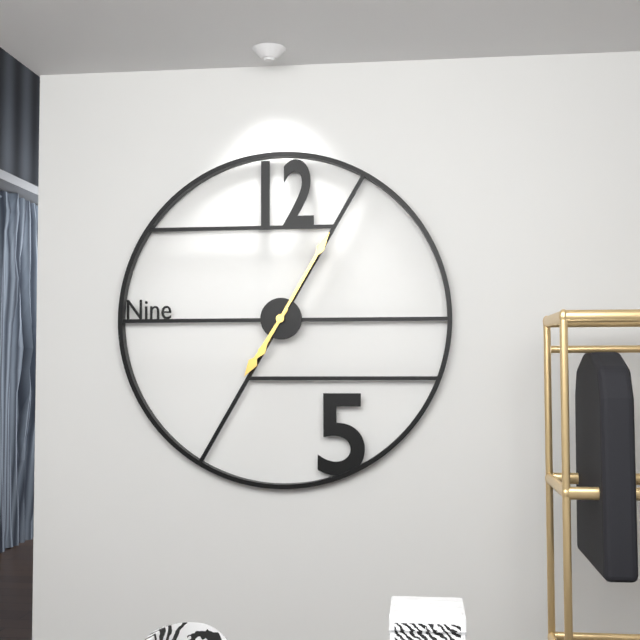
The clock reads **7:05**
